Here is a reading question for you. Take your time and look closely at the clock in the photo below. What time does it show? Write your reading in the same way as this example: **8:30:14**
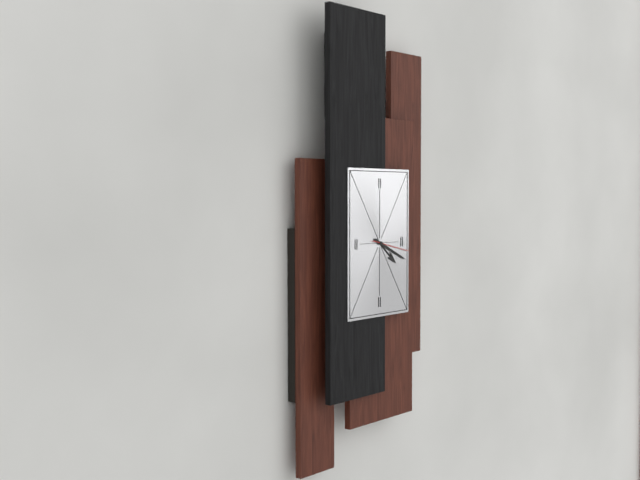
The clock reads **4:19:17**
